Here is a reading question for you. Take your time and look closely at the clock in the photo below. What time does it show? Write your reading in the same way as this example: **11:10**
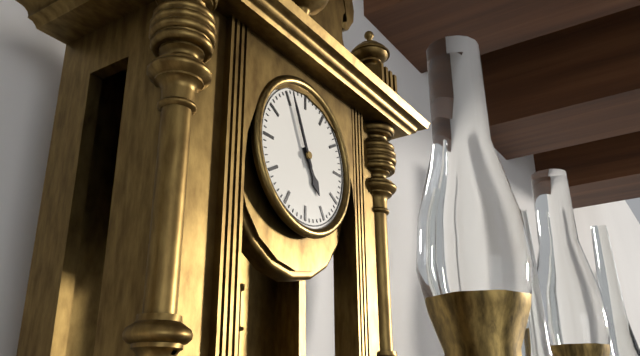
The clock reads **4:56**
